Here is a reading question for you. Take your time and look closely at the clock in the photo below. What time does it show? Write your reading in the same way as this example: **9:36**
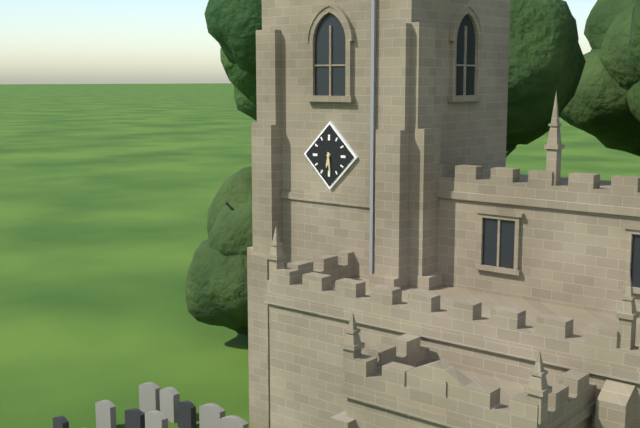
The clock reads **6:29**
